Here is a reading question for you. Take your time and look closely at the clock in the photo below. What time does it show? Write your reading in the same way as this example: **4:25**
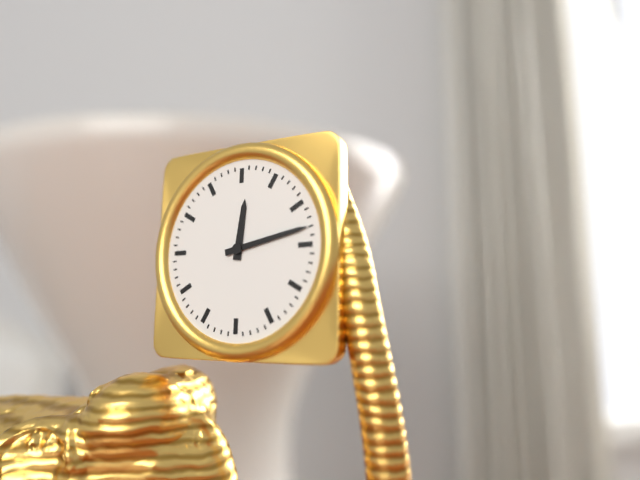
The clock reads **12:13**
